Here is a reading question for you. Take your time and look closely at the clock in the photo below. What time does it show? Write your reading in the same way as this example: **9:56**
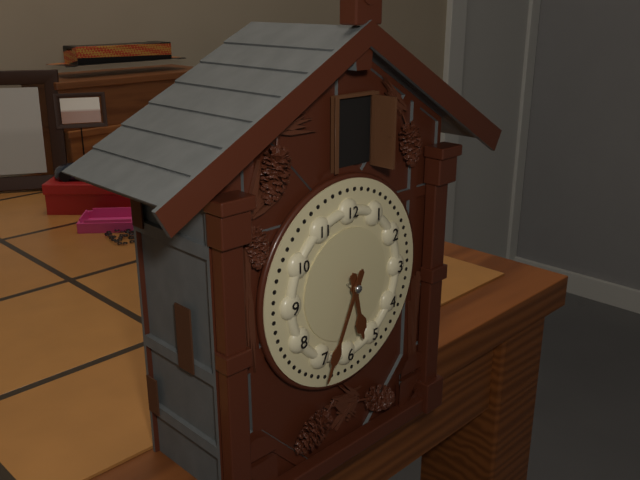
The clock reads **5:34**
